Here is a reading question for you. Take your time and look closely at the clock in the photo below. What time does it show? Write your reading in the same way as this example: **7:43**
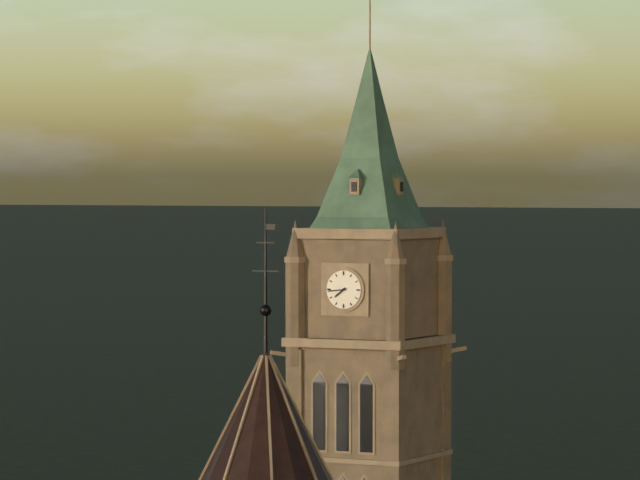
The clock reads **7:44**
